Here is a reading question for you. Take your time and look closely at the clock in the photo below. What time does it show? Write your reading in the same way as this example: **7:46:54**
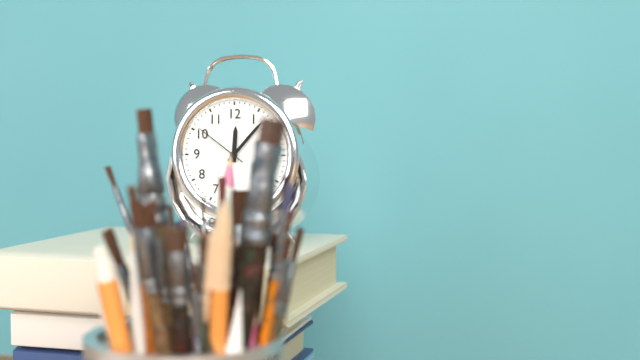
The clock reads **12:07:51**
